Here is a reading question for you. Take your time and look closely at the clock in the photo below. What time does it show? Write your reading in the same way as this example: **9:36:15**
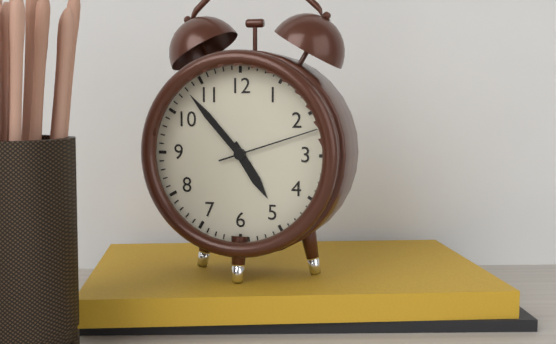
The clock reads **4:53:12**
